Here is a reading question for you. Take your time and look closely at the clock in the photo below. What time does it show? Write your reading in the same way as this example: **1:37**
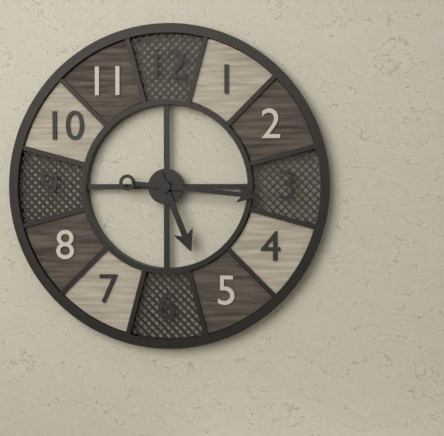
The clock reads **5:16**
